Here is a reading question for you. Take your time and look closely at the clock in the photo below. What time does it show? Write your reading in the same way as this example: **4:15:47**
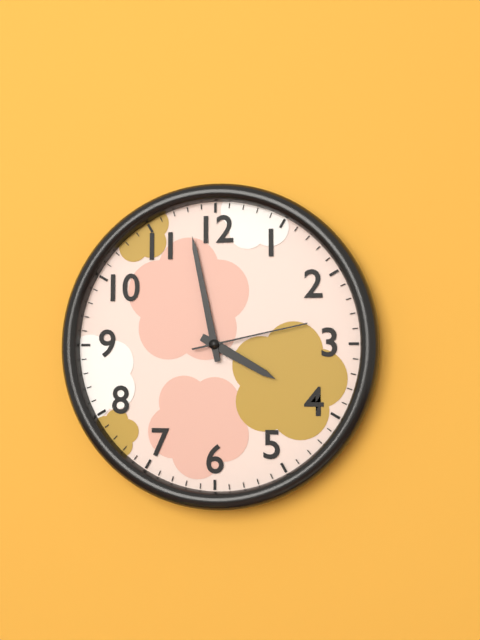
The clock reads **3:58:13**
